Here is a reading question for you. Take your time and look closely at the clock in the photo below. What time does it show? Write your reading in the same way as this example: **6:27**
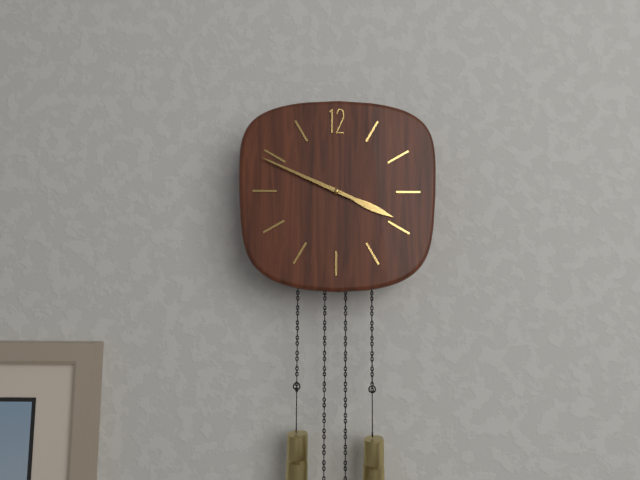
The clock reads **3:49**
